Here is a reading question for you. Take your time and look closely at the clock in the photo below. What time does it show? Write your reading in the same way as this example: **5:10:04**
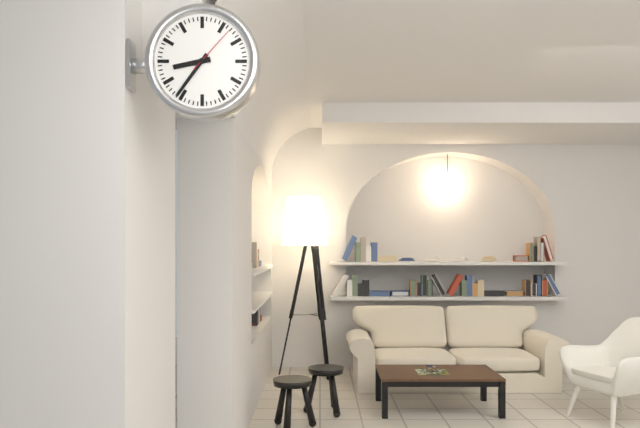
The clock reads **8:36:07**
